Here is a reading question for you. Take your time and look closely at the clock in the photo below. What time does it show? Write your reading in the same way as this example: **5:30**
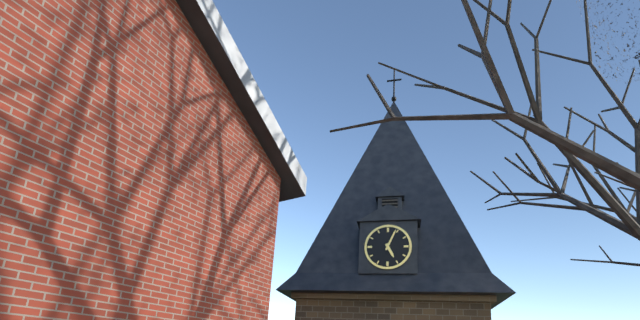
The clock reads **5:04**
